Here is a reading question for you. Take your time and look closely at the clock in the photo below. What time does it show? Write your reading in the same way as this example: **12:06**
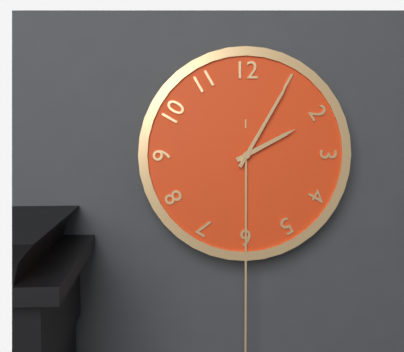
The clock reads **2:05**
